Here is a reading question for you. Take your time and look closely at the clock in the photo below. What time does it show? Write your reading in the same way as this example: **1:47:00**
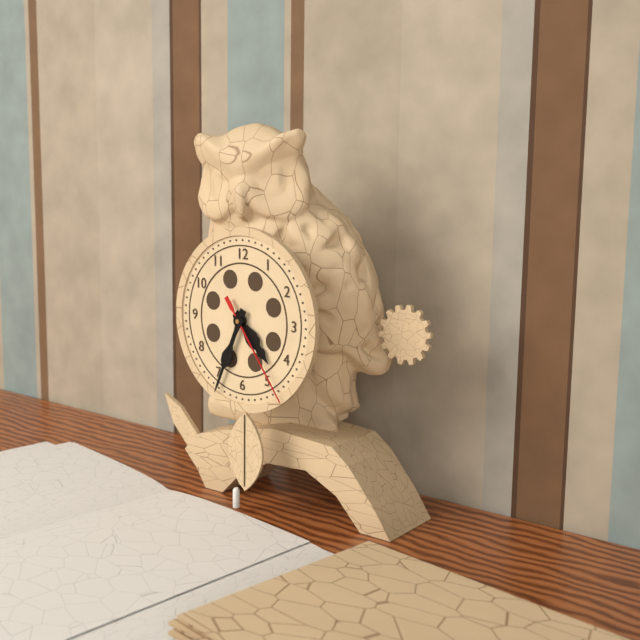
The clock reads **4:34:24**
